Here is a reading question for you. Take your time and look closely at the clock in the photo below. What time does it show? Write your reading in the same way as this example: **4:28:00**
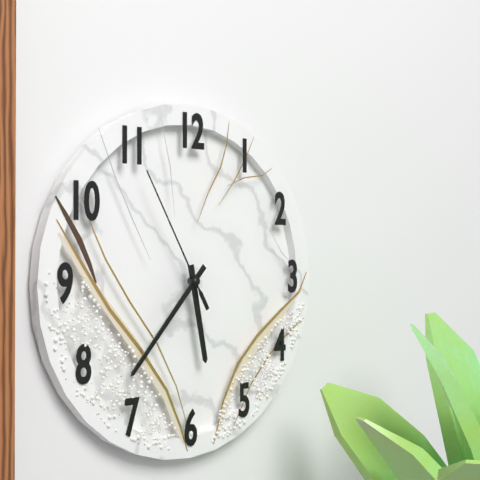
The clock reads **5:37:55**
